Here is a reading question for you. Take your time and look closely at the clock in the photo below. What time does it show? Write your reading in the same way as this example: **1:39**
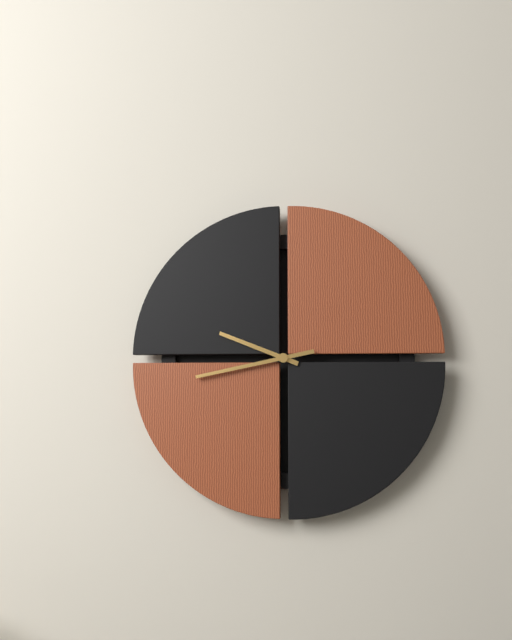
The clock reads **9:43**
